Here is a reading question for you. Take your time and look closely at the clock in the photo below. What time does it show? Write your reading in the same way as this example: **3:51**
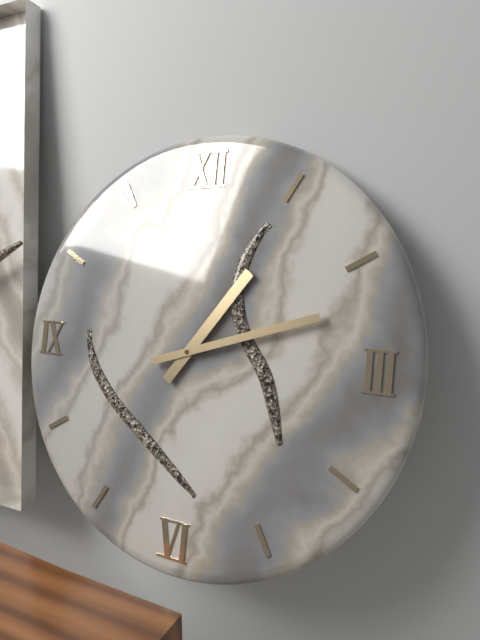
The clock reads **1:12**
